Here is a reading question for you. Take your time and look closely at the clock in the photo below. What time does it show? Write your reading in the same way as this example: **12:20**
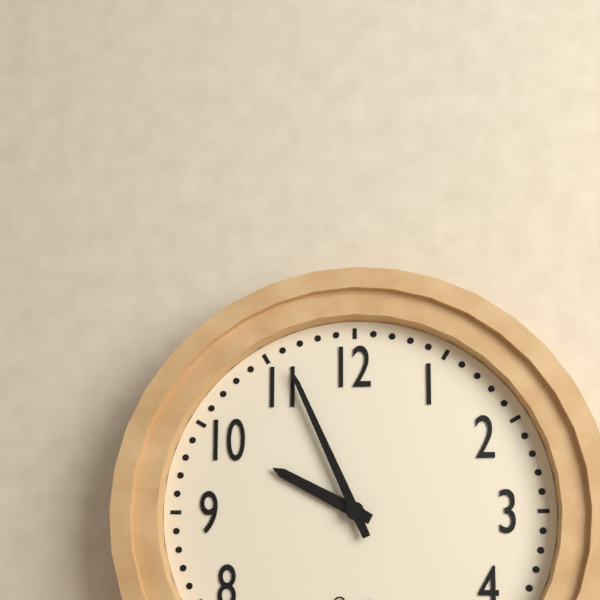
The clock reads **9:56**
